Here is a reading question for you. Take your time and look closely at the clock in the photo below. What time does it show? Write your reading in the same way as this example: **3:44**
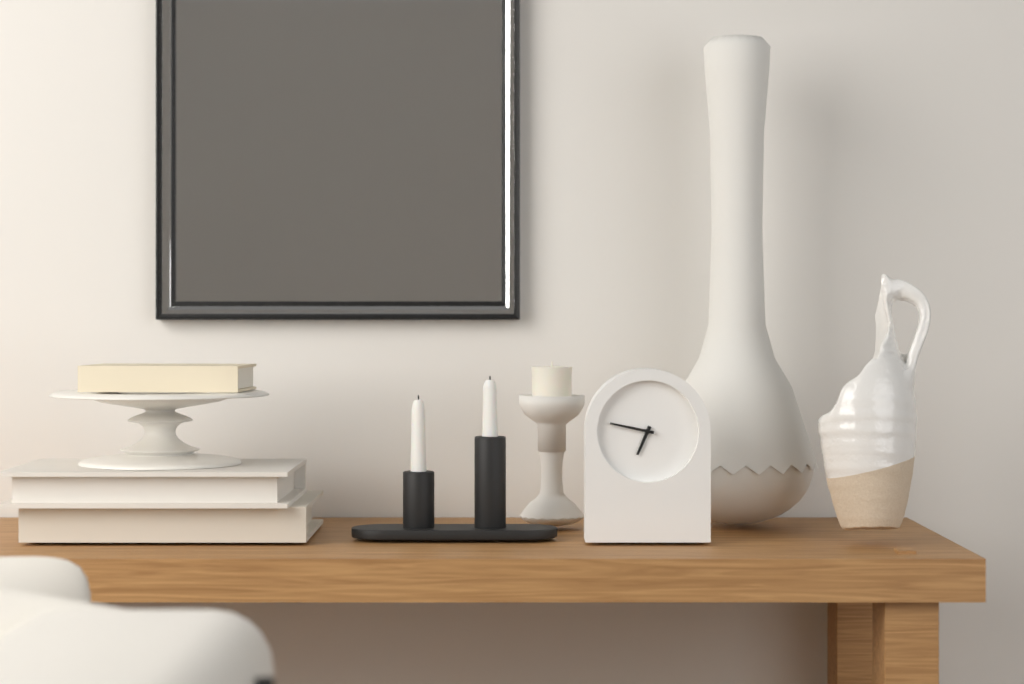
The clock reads **6:47**
